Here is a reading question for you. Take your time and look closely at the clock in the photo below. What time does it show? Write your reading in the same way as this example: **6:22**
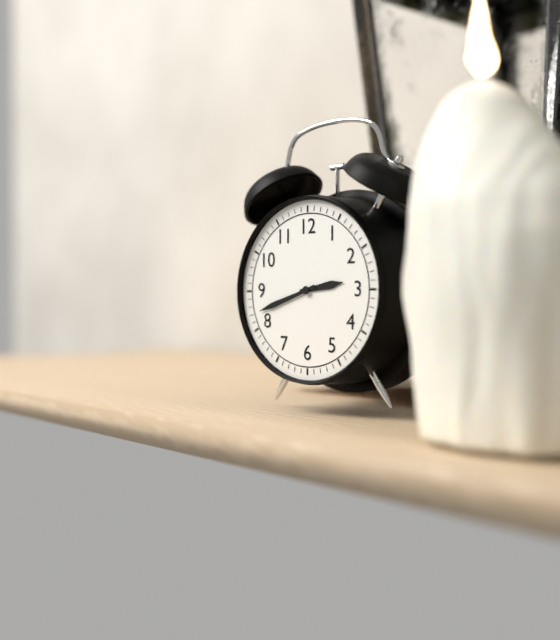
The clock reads **2:42**
